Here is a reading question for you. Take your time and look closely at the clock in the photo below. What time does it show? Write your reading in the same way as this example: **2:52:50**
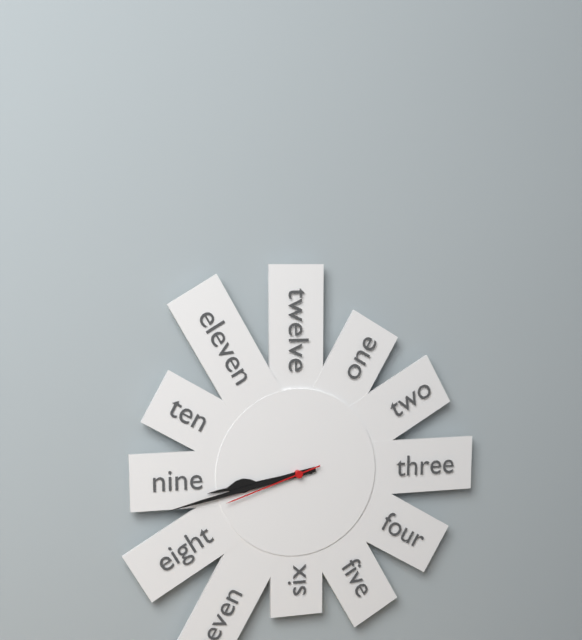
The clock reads **8:43:42**
